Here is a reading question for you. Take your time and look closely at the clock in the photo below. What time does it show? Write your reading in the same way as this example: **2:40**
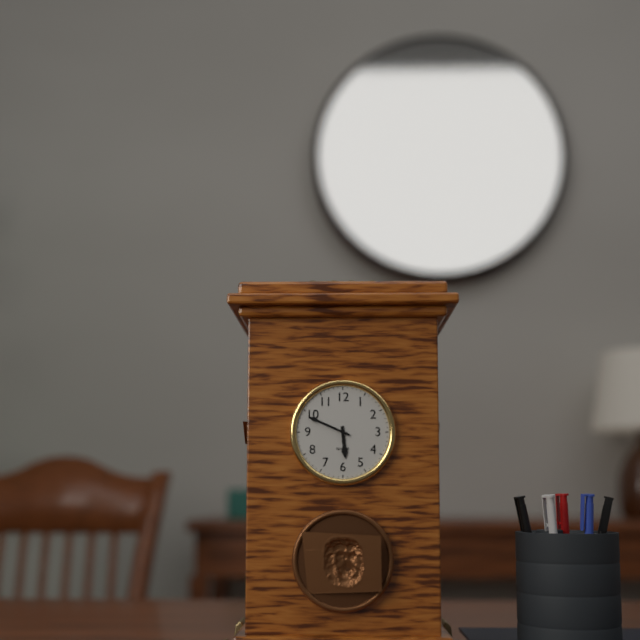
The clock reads **5:49**
